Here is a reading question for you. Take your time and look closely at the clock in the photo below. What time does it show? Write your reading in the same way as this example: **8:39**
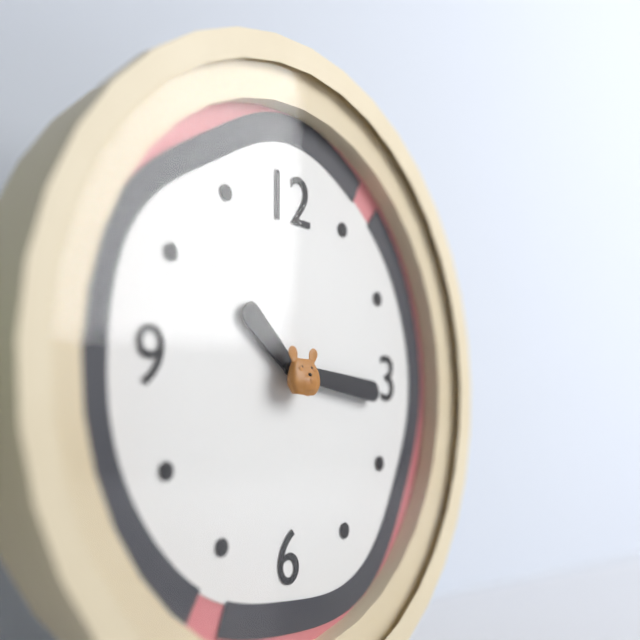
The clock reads **10:16**
